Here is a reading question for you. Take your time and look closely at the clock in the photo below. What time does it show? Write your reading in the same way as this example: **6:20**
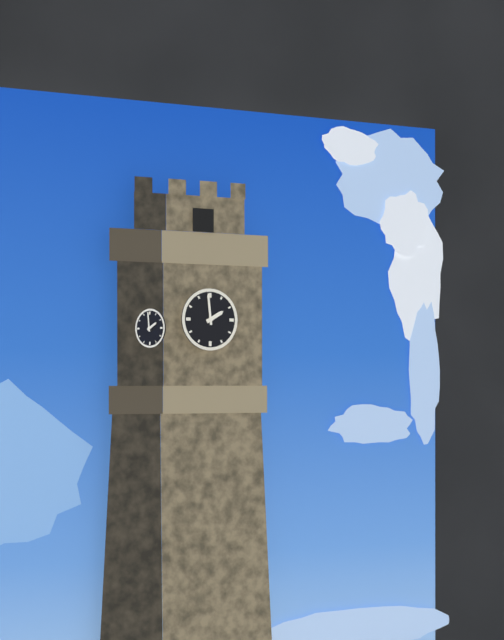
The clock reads **1:59**
